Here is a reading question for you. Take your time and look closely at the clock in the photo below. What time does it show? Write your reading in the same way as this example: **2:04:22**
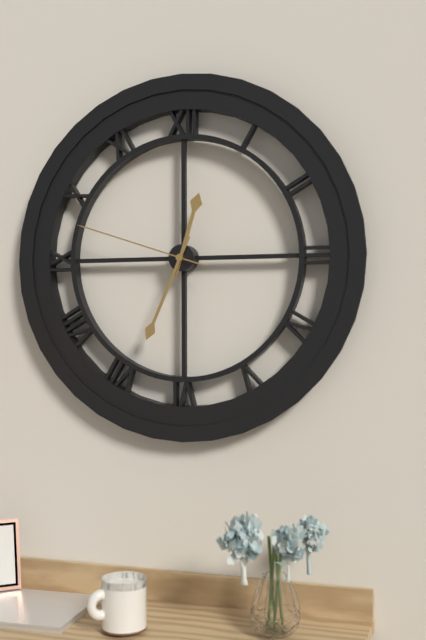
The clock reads **12:34:48**
